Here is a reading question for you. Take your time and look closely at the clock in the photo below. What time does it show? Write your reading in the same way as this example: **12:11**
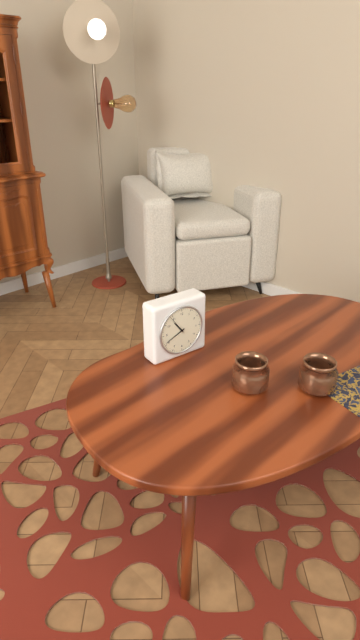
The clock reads **10:41**
